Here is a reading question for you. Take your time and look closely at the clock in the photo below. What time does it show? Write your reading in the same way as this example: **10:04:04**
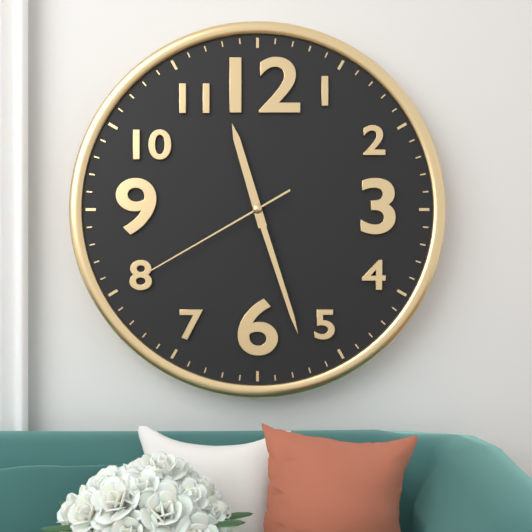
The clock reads **11:27:40**
